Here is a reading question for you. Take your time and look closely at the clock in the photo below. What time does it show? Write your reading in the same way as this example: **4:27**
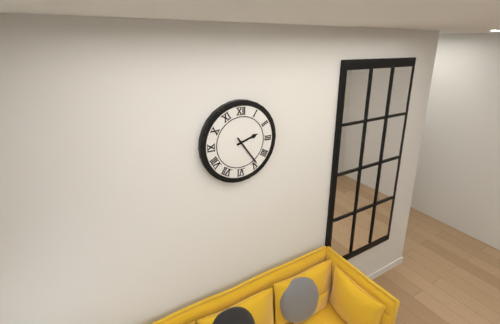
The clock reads **2:24**
